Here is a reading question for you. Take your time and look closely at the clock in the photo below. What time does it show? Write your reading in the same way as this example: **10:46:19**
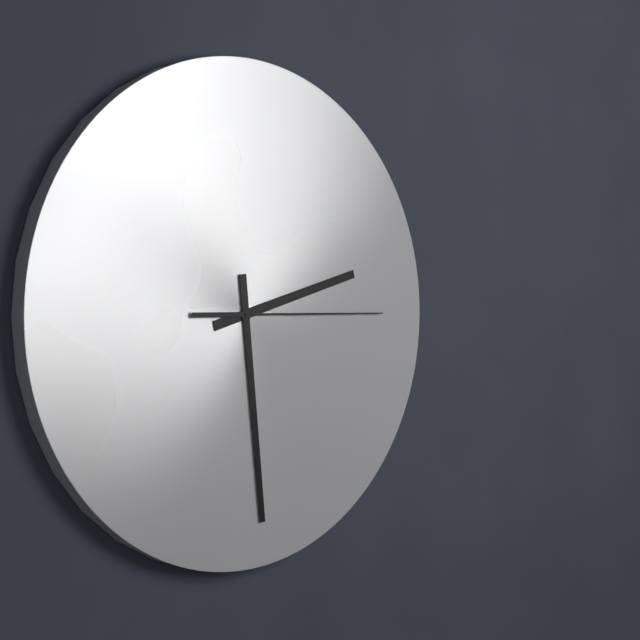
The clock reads **2:29:15**
